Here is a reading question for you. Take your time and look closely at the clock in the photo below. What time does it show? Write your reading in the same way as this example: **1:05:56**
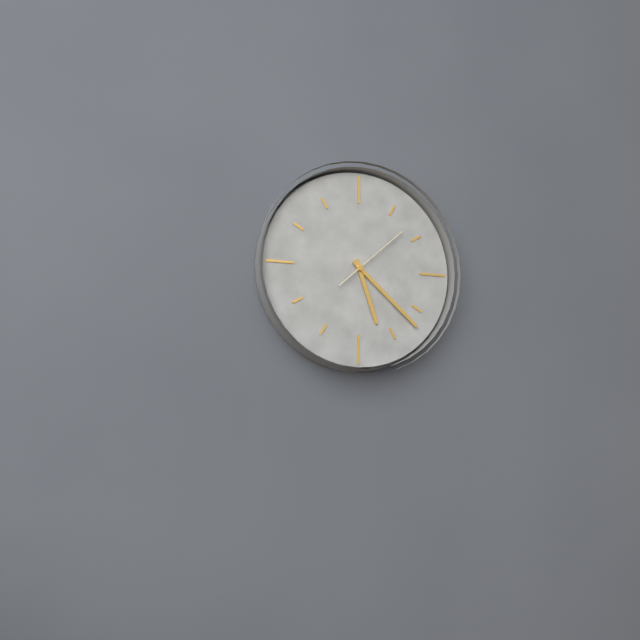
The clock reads **5:22:08**
